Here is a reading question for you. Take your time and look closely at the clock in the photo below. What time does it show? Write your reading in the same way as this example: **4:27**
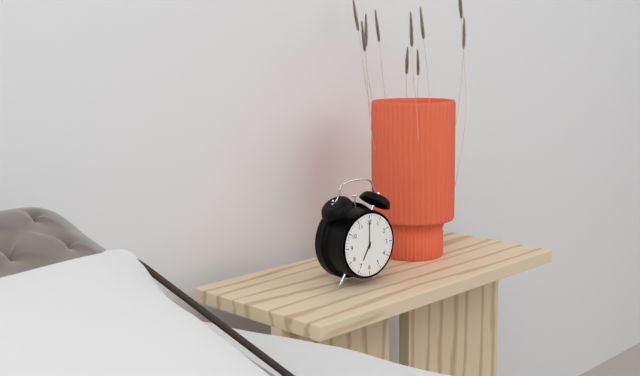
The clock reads **7:00**
